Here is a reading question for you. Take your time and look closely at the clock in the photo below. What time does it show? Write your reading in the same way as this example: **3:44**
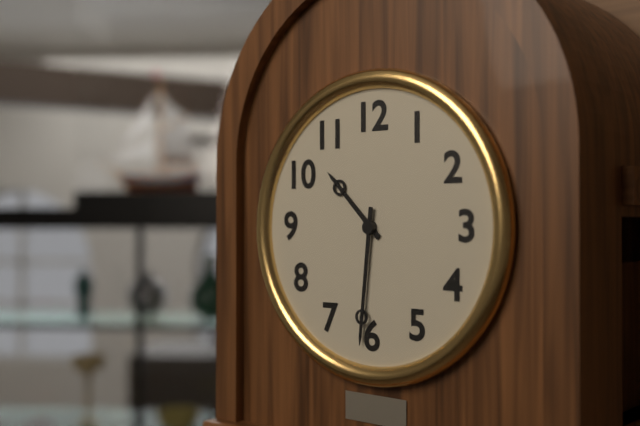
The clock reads **10:31**
